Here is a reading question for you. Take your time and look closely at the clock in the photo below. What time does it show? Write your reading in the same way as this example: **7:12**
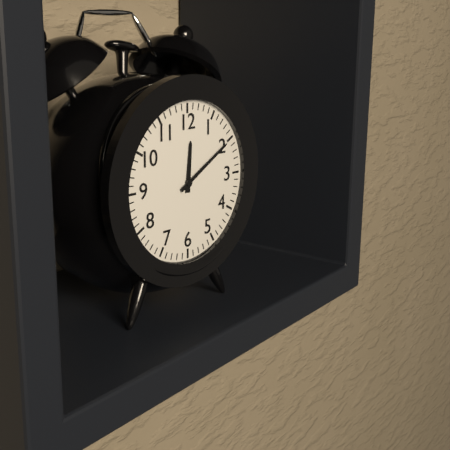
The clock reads **12:10**
